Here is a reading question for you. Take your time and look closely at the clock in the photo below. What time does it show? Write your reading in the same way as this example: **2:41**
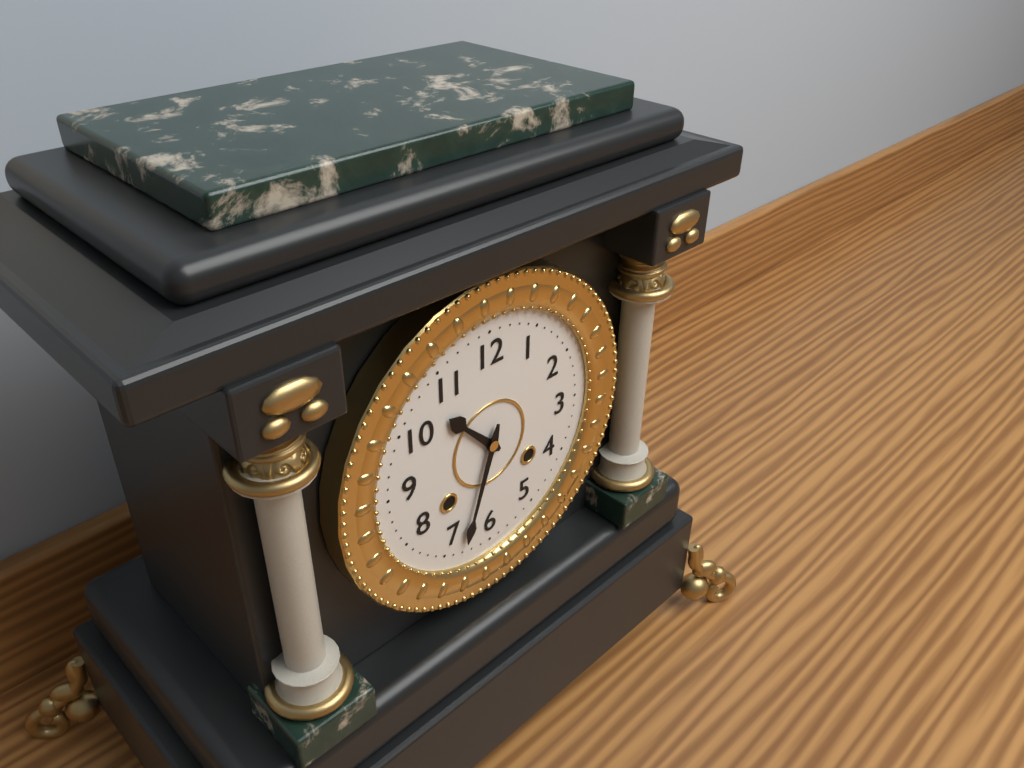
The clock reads **10:33**
